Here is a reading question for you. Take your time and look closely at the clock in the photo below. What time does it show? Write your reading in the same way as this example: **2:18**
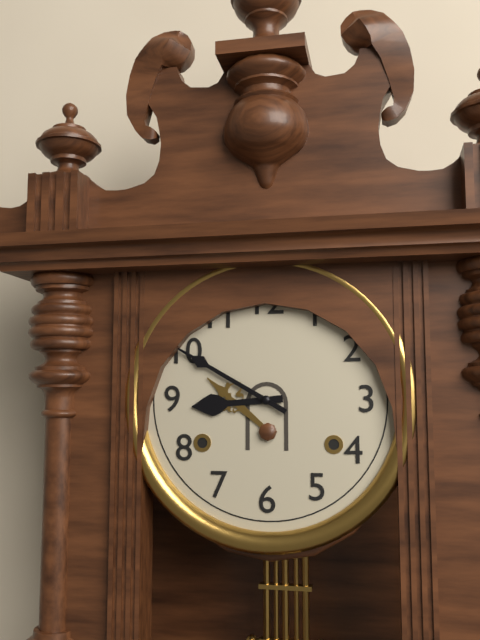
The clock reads **8:50**
